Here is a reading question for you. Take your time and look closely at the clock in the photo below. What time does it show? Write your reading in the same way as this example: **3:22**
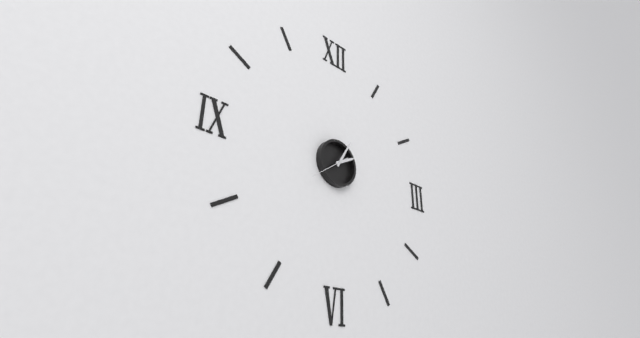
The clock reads **2:05**
